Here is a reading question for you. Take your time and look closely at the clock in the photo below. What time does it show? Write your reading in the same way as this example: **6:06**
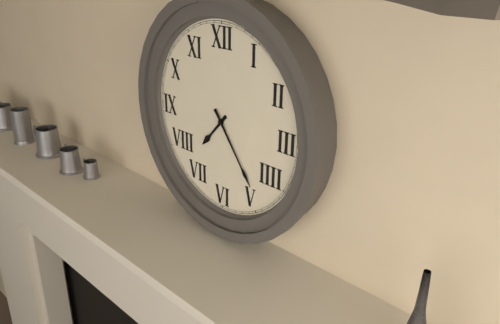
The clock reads **7:24**
